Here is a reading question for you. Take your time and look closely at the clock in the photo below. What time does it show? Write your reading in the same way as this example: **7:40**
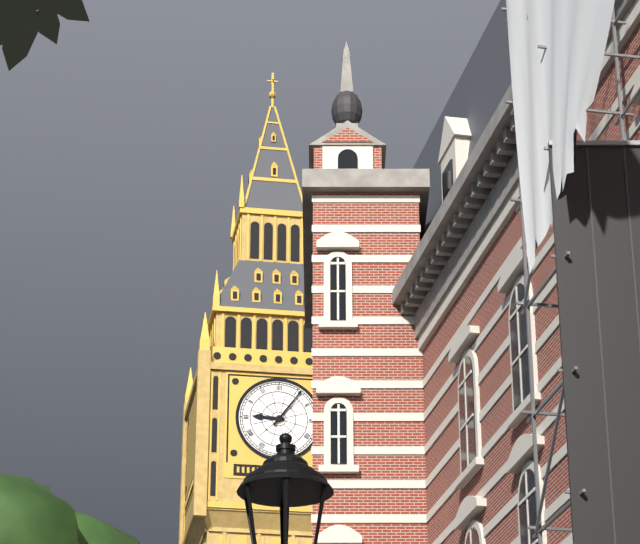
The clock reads **9:06**
